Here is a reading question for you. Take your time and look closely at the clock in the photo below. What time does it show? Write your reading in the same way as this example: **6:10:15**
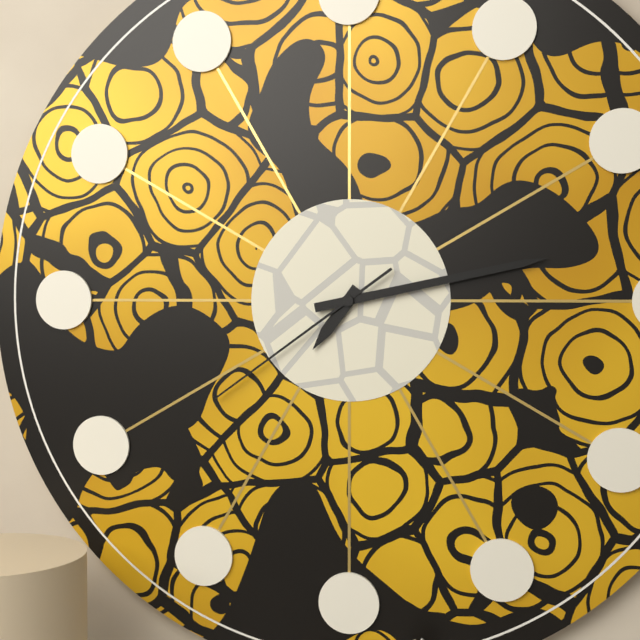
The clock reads **7:13:39**
